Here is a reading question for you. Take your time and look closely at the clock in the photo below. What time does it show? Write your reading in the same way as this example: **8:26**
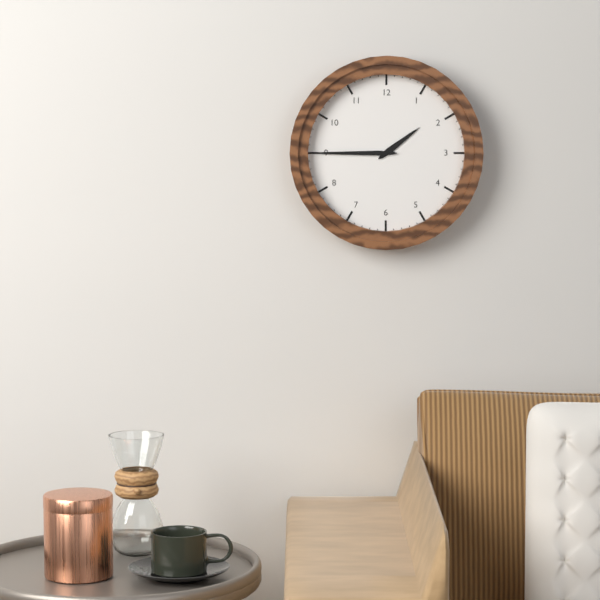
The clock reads **1:45**
